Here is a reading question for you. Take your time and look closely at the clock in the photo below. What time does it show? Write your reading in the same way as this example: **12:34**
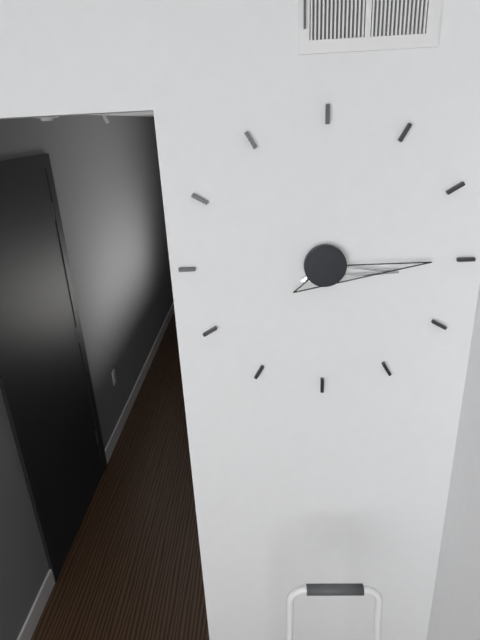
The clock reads **3:15**
